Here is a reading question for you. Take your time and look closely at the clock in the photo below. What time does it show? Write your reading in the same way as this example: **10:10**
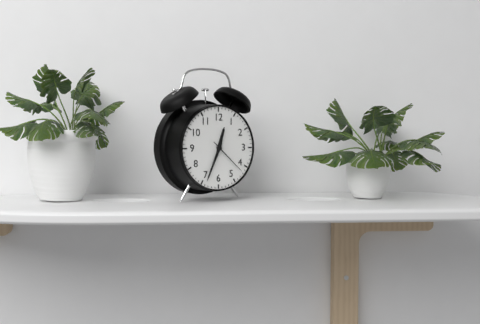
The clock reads **12:34**
